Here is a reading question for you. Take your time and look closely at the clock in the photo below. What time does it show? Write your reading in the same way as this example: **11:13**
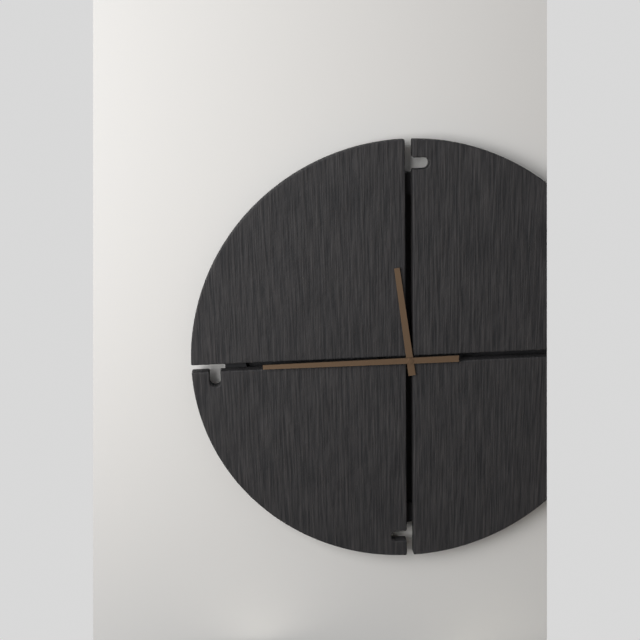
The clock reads **11:45**
